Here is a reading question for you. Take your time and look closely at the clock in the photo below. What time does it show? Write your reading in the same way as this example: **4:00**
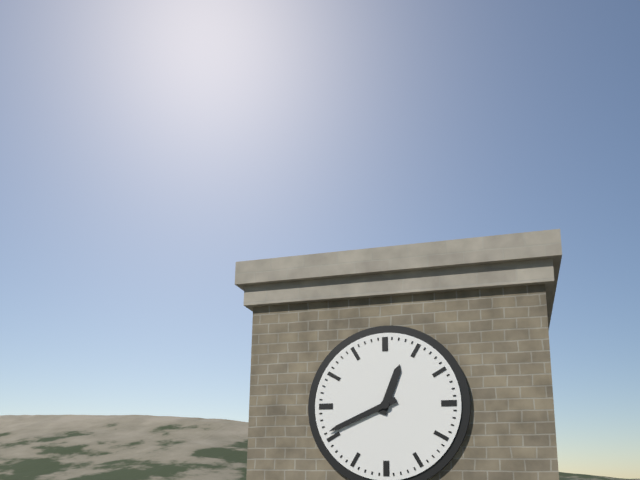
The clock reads **12:41**
